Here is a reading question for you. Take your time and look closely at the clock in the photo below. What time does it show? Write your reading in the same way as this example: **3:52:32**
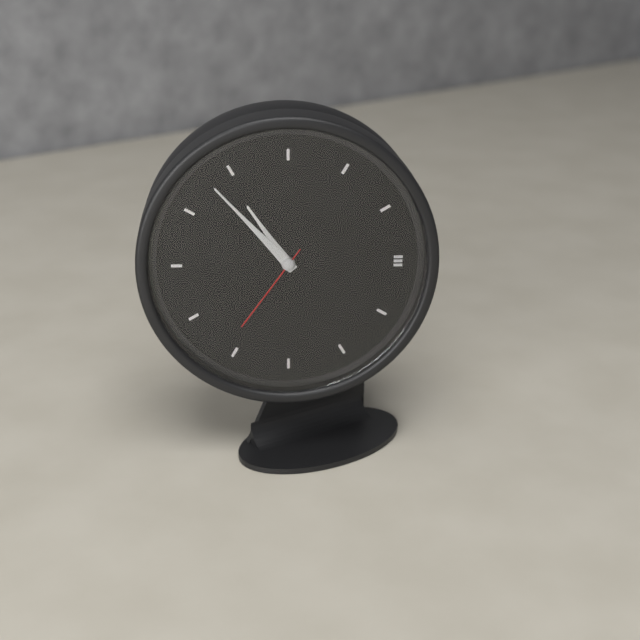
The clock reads **10:53:36**
